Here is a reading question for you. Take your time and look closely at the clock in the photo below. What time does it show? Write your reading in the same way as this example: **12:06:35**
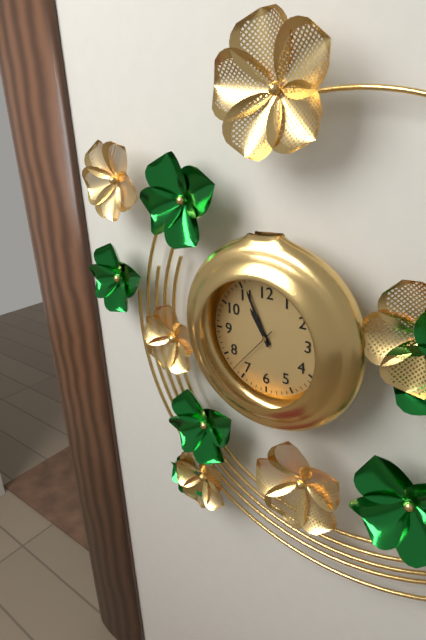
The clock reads **10:56:37**
